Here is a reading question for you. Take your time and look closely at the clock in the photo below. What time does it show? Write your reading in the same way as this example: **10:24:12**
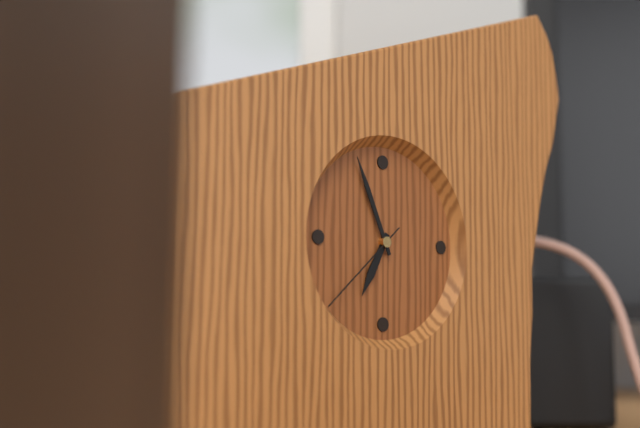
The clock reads **6:56:38**
